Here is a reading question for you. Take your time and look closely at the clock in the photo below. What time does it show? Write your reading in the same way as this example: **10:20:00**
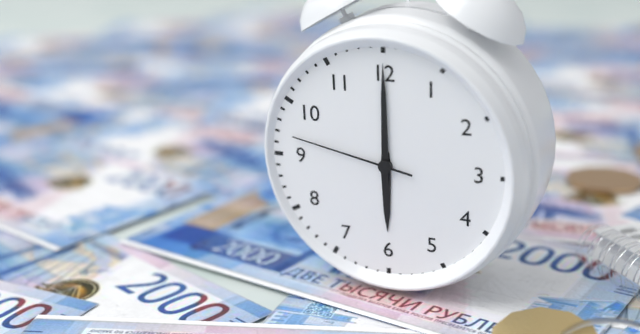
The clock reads **6:00:47**
